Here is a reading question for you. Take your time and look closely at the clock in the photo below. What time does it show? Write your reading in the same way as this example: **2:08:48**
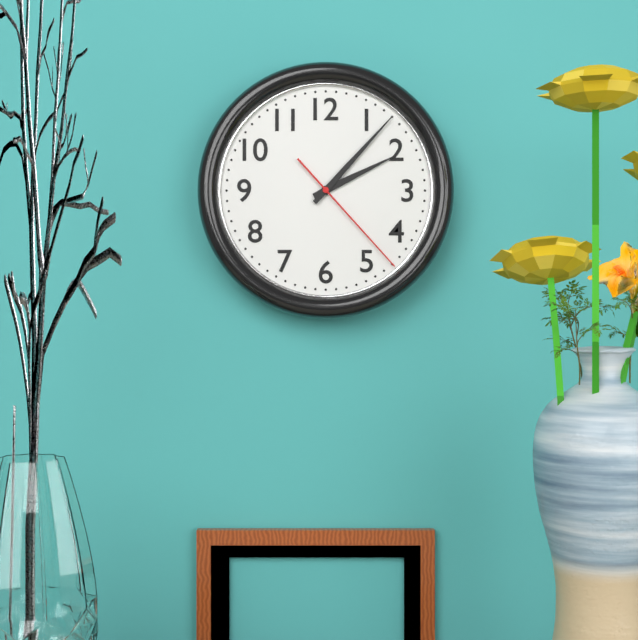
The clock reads **2:07:23**
